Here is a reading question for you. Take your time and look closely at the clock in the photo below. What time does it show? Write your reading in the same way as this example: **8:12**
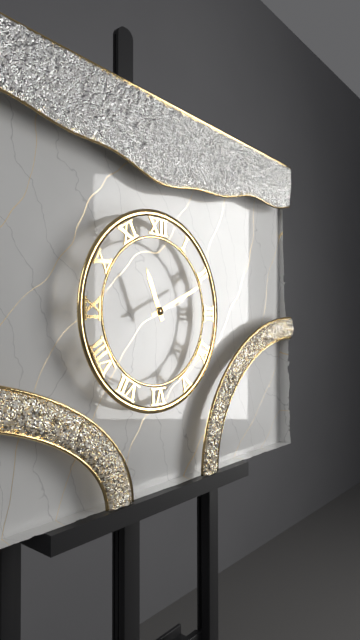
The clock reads **11:11**
